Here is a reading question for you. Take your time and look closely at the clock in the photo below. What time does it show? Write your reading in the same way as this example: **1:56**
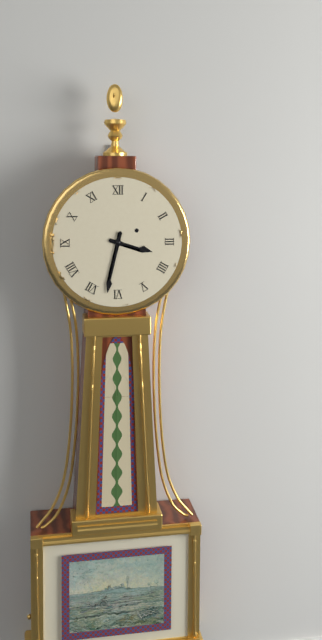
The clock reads **3:32**
